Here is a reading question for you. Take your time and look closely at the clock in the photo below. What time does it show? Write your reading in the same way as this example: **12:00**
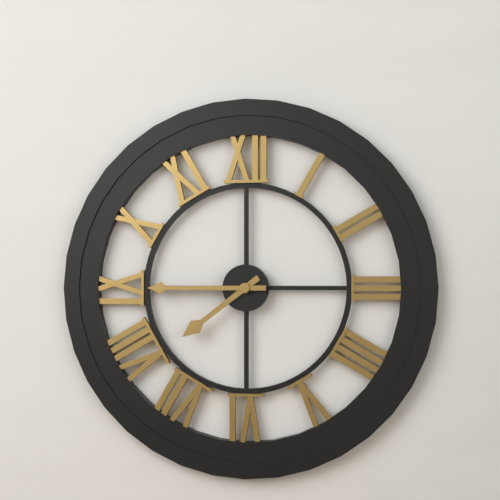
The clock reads **7:45**
